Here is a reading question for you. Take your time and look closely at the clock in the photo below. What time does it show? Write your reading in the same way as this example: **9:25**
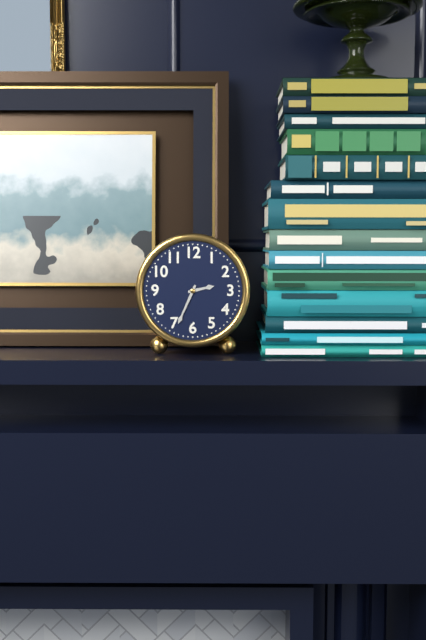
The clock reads **2:34**
